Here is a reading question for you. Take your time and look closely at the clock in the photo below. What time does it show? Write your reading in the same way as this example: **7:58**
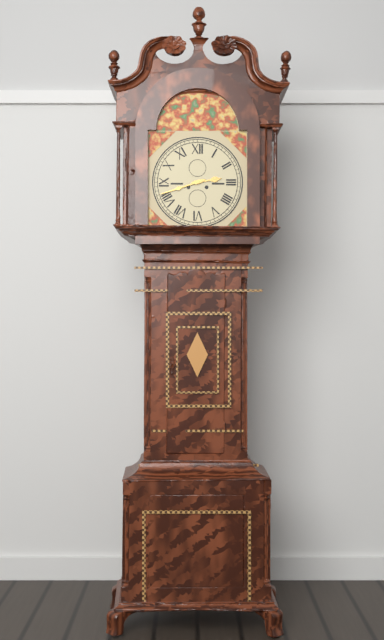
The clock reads **2:42**
